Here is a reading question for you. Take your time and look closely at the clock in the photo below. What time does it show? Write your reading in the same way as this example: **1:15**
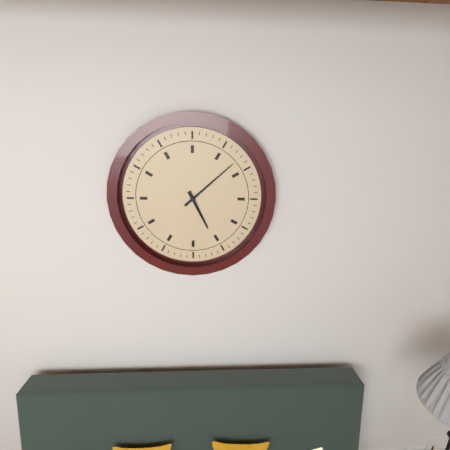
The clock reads **5:08**
